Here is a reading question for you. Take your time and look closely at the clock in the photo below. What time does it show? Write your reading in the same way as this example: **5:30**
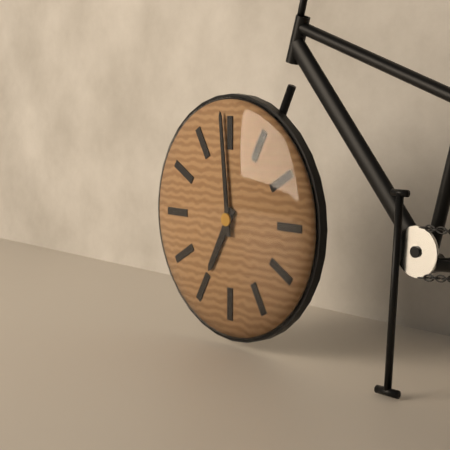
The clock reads **6:59**
